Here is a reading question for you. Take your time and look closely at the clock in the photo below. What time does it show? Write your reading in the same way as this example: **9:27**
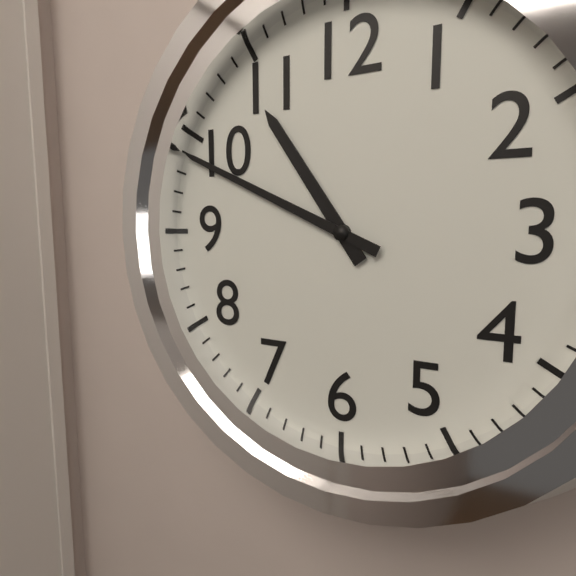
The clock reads **10:49**
